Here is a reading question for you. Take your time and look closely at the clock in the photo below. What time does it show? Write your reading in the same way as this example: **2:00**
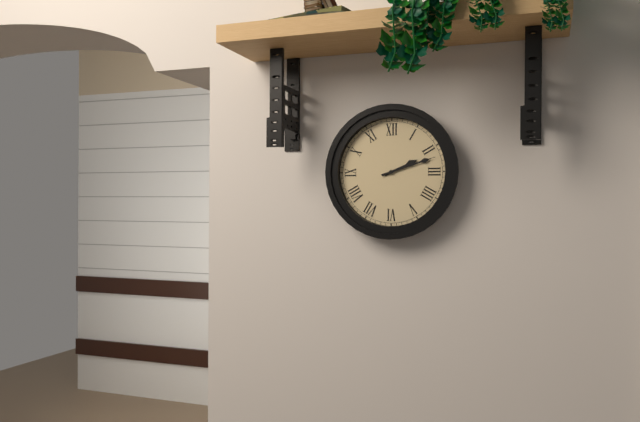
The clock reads **2:12**
